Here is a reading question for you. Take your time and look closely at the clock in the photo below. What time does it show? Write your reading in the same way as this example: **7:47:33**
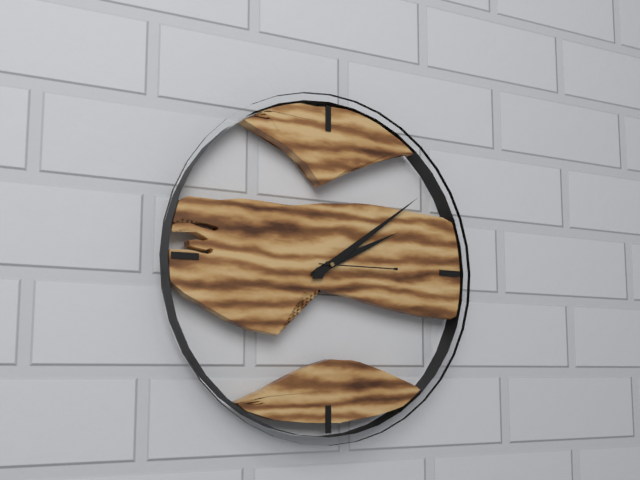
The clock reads **2:09:15**
